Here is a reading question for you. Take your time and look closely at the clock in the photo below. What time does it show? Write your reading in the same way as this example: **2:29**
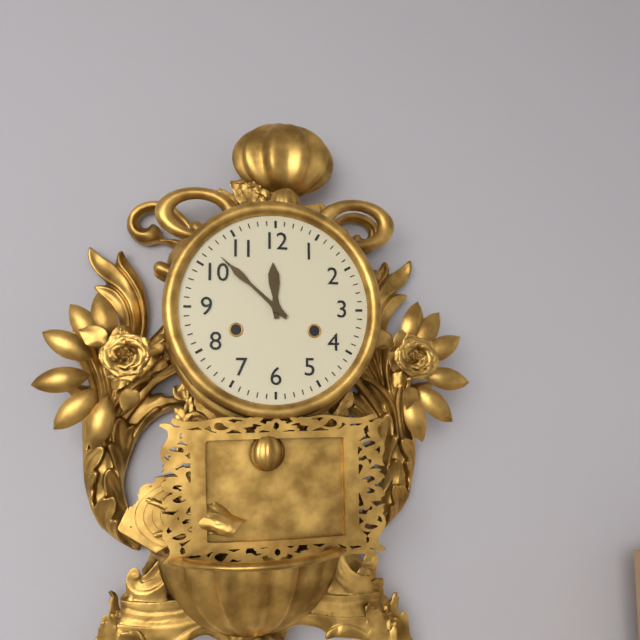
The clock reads **11:52**
